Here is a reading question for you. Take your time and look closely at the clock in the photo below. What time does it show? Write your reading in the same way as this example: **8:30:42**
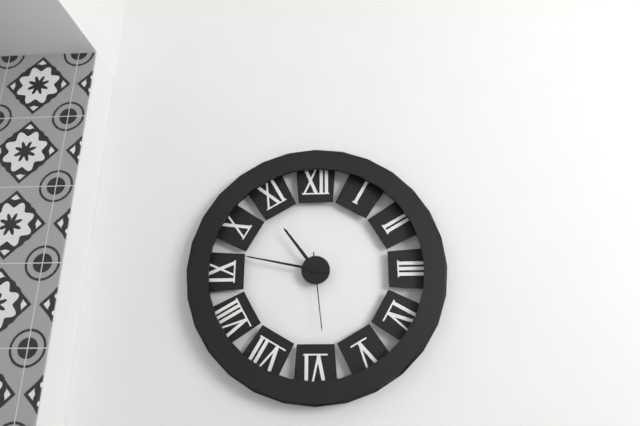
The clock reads **10:47:29**
